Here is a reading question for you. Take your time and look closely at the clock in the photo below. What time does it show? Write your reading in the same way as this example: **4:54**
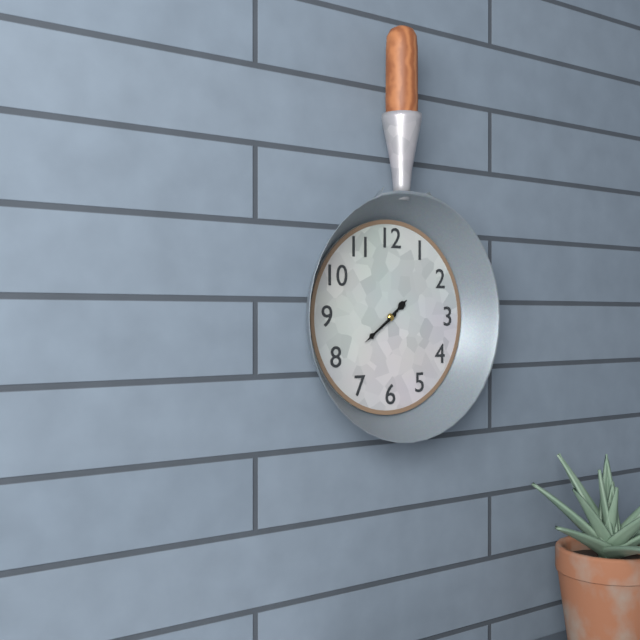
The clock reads **1:39**
